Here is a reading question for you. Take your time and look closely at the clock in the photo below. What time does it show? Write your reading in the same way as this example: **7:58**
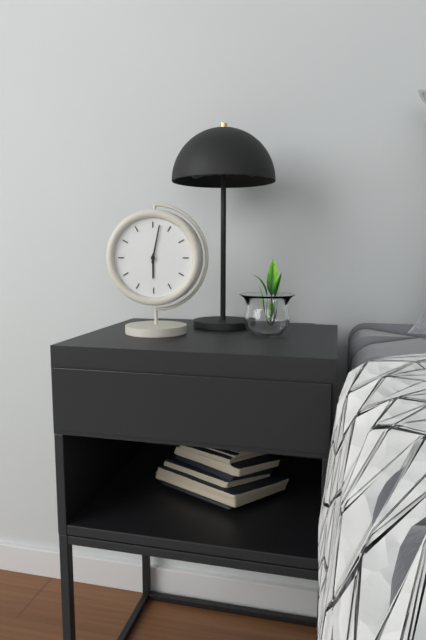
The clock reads **6:02**
